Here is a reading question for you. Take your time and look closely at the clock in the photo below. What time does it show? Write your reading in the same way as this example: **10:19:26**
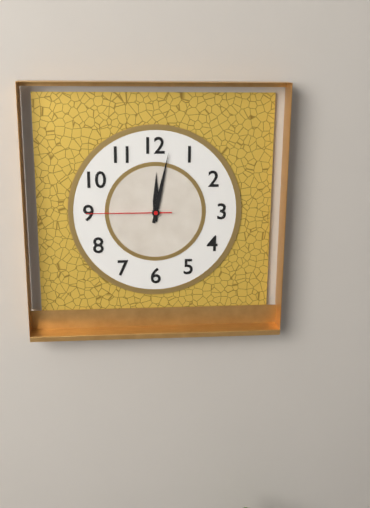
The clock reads **12:02:45**
